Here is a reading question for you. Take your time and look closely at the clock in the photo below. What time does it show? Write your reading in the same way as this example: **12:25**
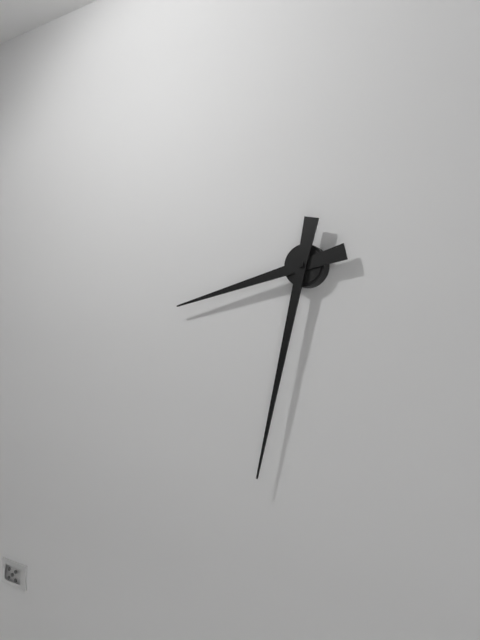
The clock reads **8:32**
